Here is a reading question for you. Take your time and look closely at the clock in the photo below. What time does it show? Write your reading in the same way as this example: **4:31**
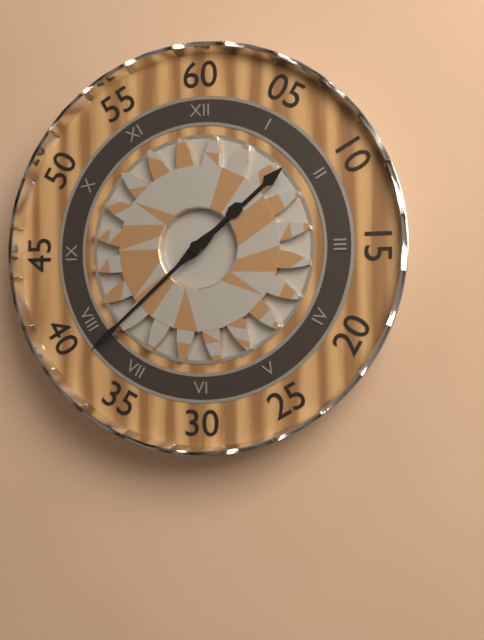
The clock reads **1:38**
